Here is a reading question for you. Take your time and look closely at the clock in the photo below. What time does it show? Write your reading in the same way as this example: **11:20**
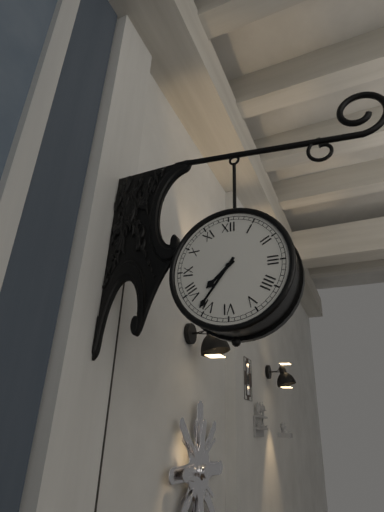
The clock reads **7:36**
